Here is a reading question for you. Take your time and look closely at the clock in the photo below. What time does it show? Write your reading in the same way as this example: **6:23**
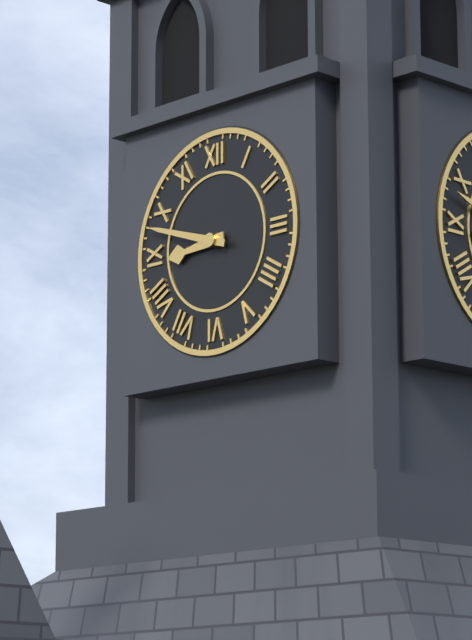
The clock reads **8:48**
